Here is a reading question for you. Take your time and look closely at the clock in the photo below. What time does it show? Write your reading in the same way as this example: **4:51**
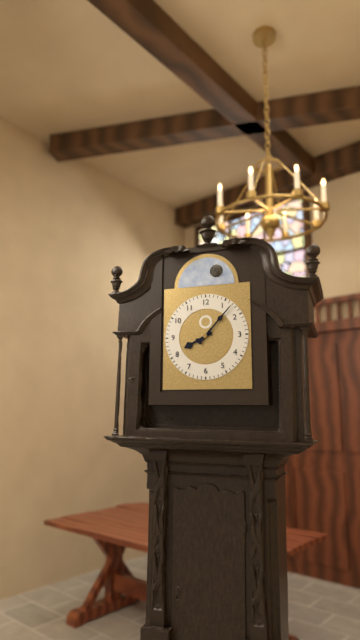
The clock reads **8:07**
